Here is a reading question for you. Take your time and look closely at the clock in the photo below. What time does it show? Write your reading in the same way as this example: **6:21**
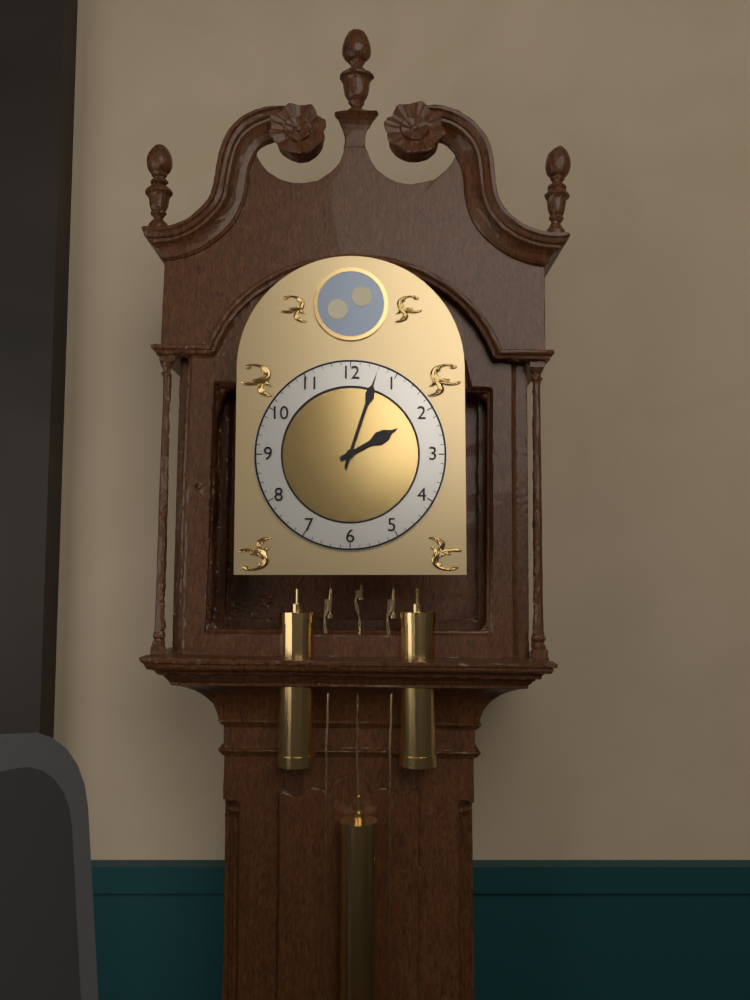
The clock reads **2:03**
